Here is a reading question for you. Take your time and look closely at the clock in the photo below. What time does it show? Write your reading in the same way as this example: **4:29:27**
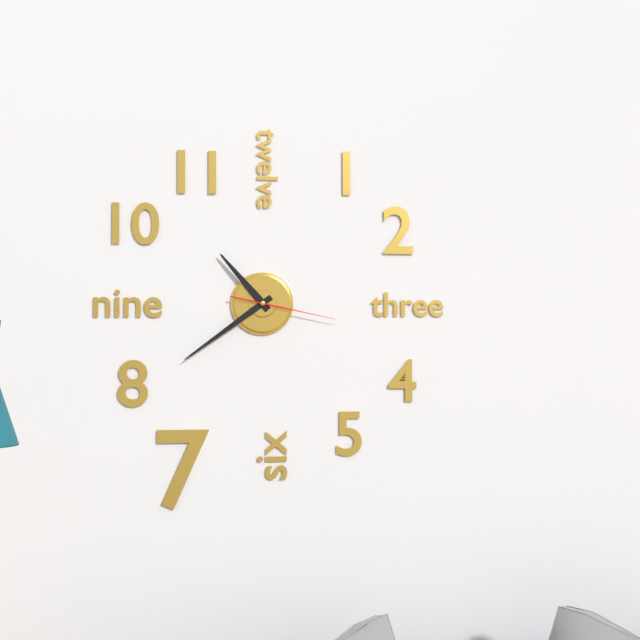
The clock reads **10:39:17**
